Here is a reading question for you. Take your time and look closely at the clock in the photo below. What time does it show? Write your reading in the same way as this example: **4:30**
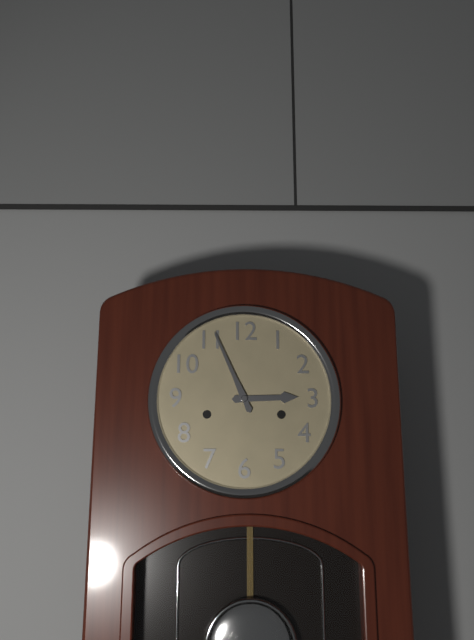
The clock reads **2:56**
